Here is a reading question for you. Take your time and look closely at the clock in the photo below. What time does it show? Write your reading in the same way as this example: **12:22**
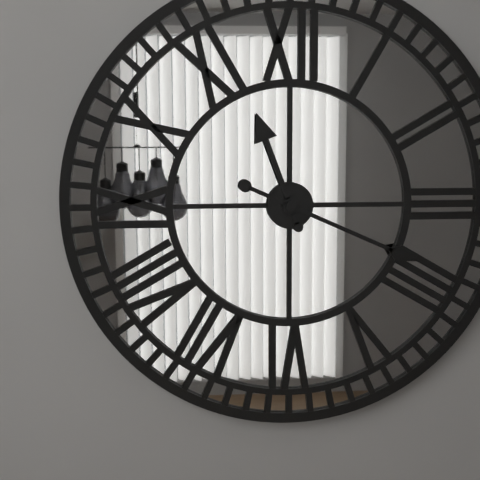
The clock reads **11:19**
